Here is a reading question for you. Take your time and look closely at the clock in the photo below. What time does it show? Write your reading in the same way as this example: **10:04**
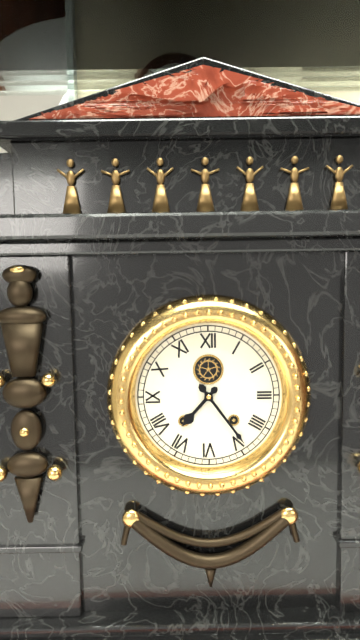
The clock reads **7:24**
